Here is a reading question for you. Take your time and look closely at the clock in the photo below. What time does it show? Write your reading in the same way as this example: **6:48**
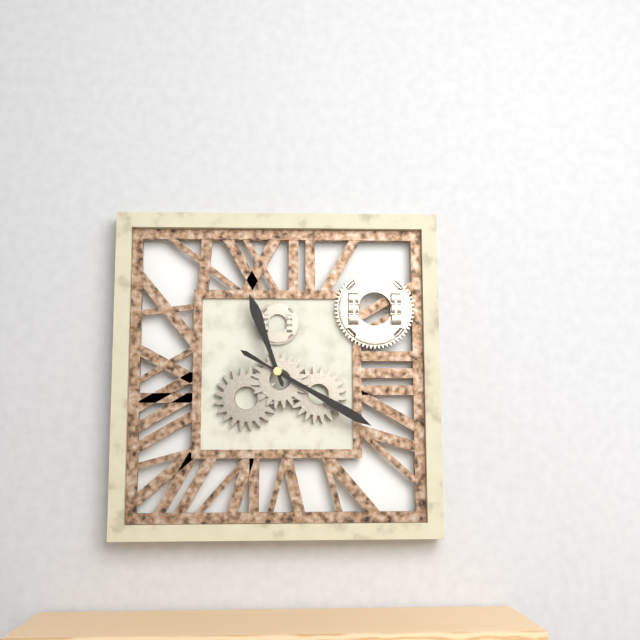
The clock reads **11:20**
